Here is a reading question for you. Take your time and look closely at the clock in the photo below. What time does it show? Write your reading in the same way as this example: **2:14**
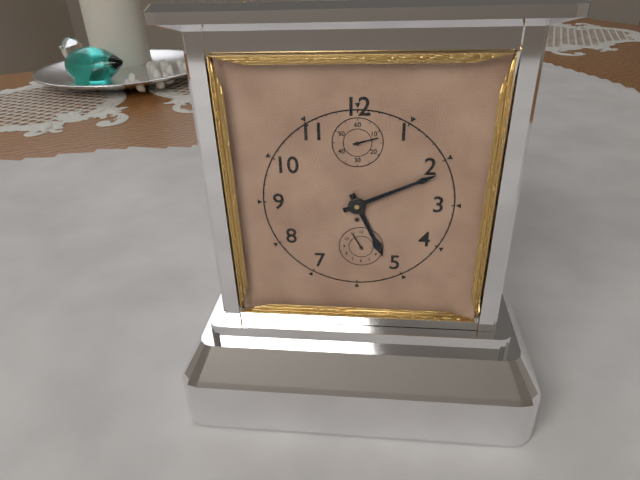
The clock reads **5:11**
